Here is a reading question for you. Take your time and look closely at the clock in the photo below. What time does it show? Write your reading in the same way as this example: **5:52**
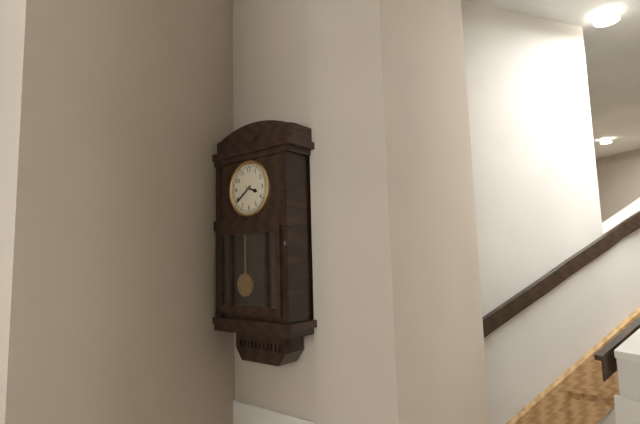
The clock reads **3:39**
